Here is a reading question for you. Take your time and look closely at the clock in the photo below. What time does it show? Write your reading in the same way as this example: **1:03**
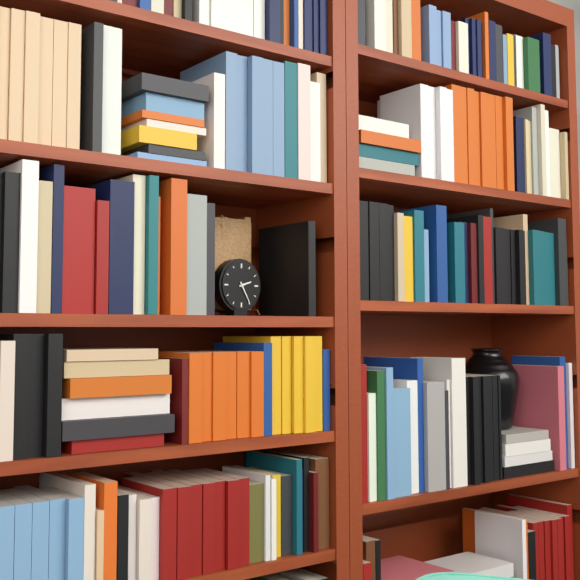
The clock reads **2:25**
